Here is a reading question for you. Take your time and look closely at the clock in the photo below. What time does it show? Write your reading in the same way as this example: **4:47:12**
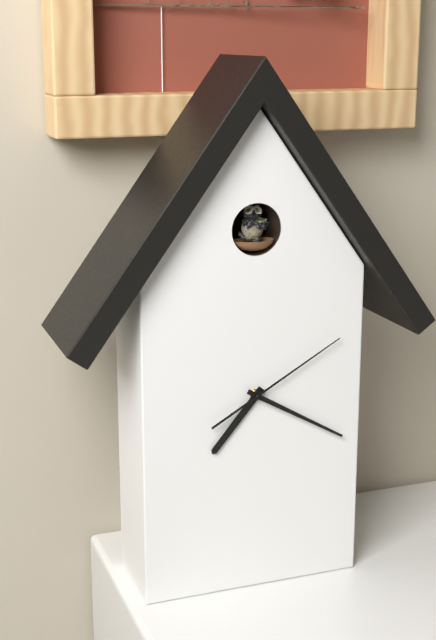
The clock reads **7:20:10**
